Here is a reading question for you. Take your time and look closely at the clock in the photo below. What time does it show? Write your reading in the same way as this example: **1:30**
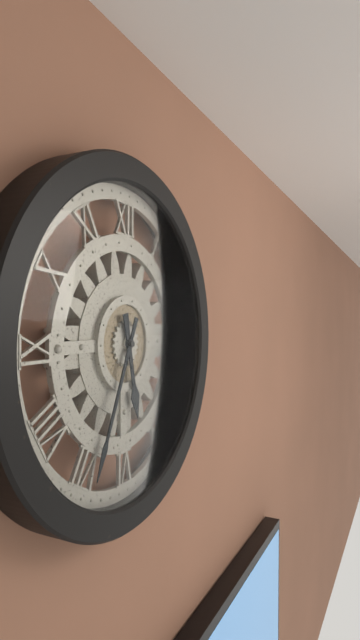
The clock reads **5:34**
